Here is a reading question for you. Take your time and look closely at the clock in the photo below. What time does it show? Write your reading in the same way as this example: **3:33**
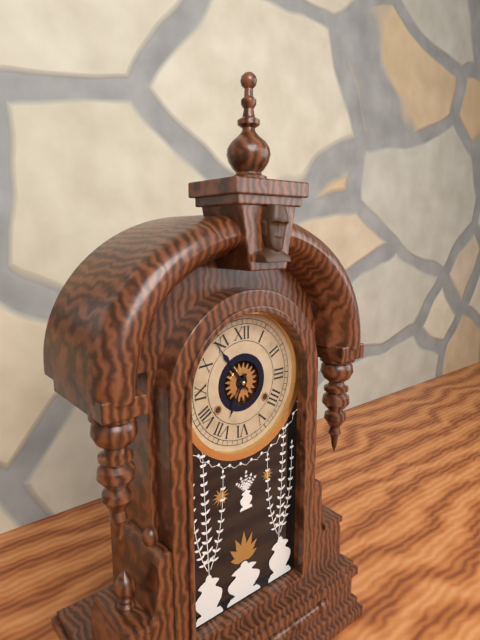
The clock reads **6:54**
